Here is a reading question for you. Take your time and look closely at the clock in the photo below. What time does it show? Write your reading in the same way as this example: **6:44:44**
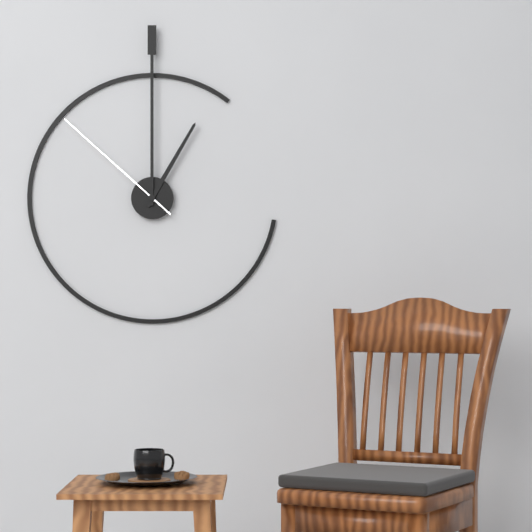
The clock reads **1:00:52**
